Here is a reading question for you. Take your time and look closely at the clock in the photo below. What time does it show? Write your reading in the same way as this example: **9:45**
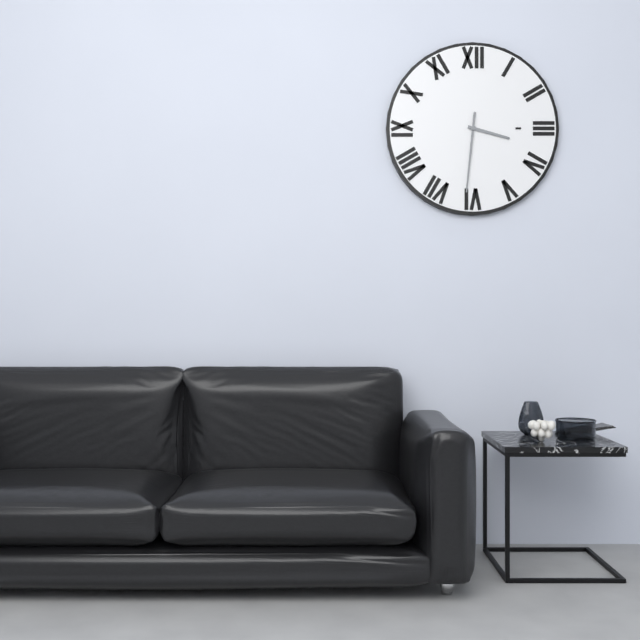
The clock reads **3:31**
